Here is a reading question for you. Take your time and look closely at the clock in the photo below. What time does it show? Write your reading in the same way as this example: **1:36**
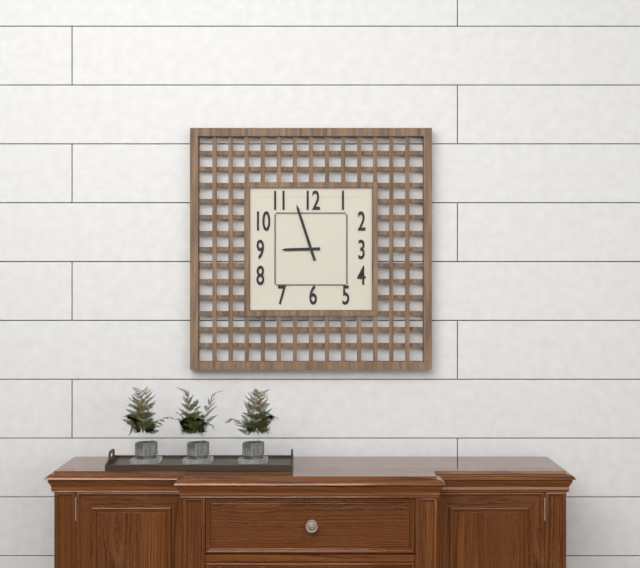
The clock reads **8:57**
